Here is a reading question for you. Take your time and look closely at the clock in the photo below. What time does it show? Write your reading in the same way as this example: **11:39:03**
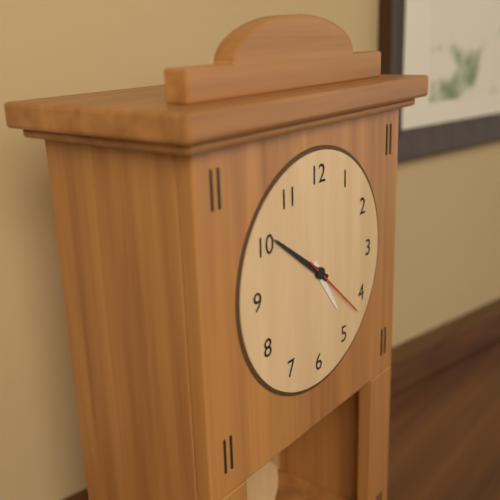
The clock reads **4:51:22**
